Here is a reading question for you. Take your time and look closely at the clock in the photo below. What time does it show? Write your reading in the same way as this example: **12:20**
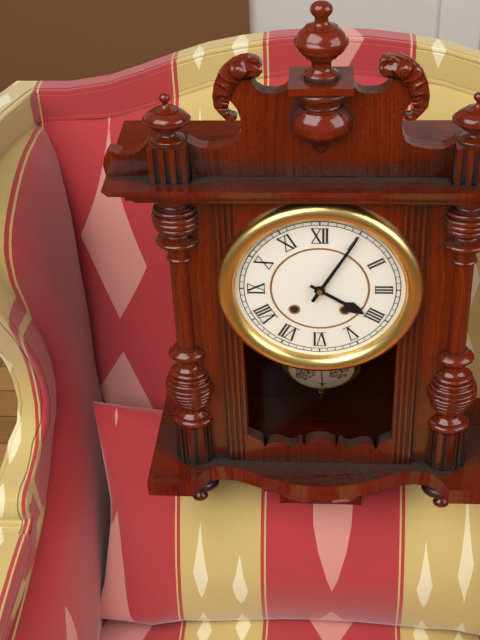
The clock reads **4:05**
